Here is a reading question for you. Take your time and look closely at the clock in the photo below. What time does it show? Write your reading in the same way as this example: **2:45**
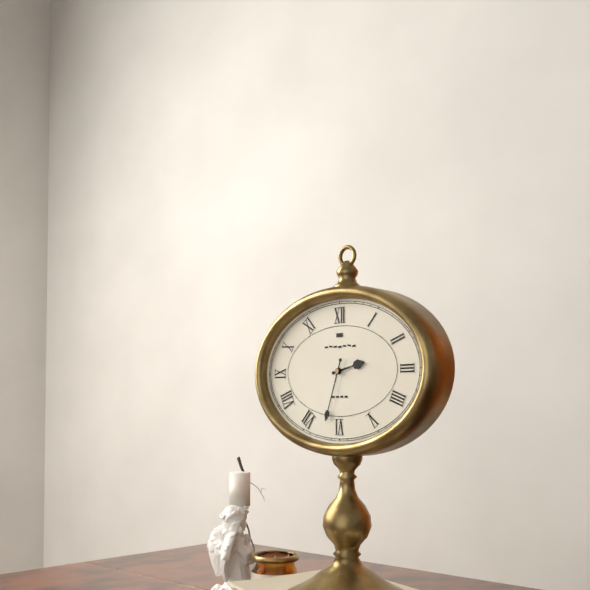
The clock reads **2:33**
